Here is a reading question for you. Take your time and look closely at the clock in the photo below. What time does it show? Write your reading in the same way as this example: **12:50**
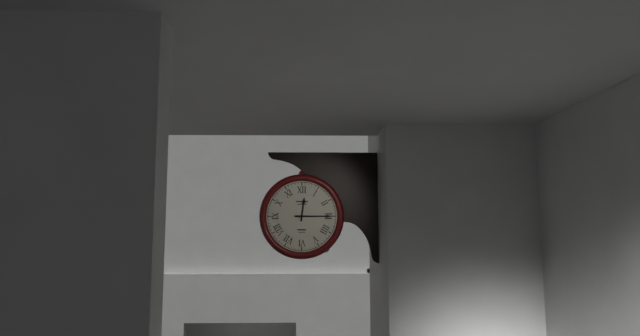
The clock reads **12:15**
